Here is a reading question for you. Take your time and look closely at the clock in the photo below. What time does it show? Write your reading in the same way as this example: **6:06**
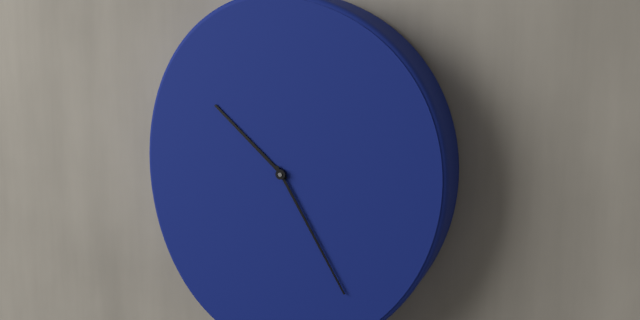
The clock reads **10:25**
